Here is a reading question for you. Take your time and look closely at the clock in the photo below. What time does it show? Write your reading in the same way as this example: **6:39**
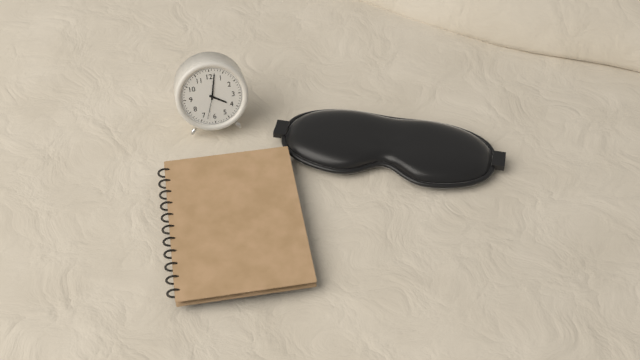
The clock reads **4:02**
